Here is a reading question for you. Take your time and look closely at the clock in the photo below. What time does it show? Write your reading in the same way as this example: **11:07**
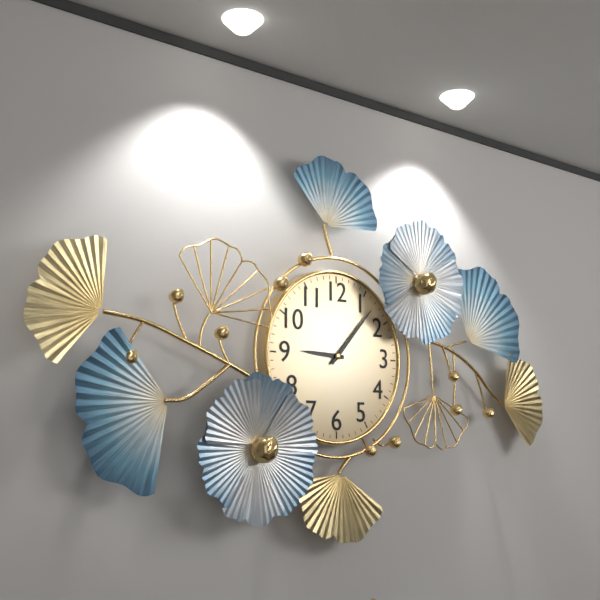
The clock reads **9:07**
